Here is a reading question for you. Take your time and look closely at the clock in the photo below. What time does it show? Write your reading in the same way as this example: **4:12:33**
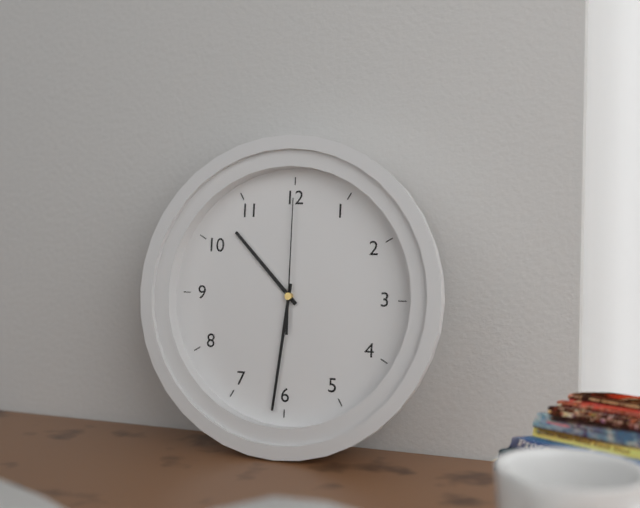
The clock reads **10:31:00**
